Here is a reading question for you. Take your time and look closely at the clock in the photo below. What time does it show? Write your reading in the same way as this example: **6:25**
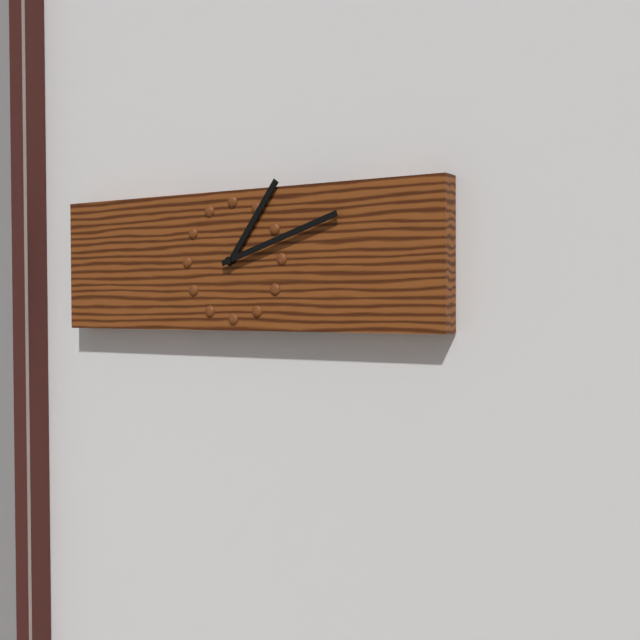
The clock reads **1:12**
